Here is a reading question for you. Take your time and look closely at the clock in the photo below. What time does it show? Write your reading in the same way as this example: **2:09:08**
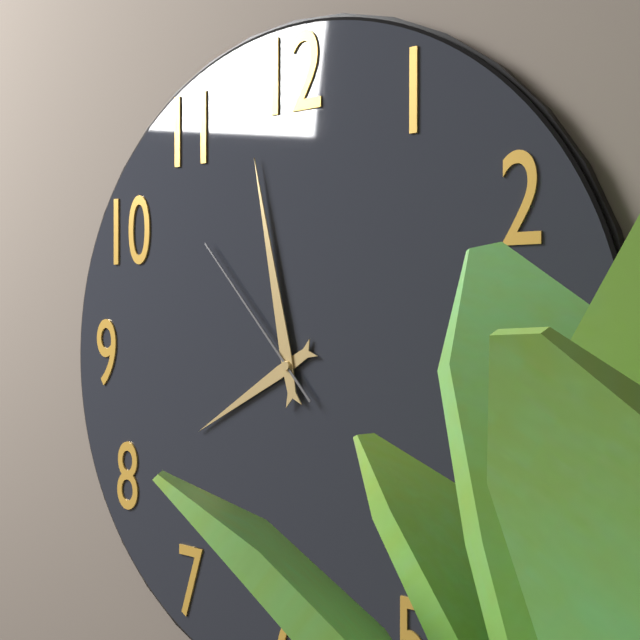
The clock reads **7:58:53**
